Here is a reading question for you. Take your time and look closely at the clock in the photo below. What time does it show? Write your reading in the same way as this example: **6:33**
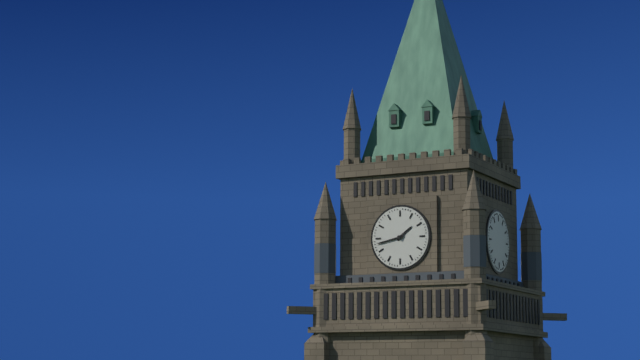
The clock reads **1:43**
